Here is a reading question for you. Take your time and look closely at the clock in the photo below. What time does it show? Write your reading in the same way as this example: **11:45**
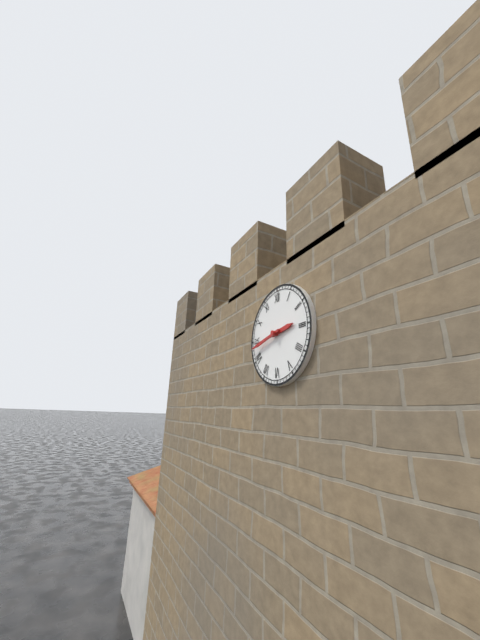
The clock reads **2:43**
